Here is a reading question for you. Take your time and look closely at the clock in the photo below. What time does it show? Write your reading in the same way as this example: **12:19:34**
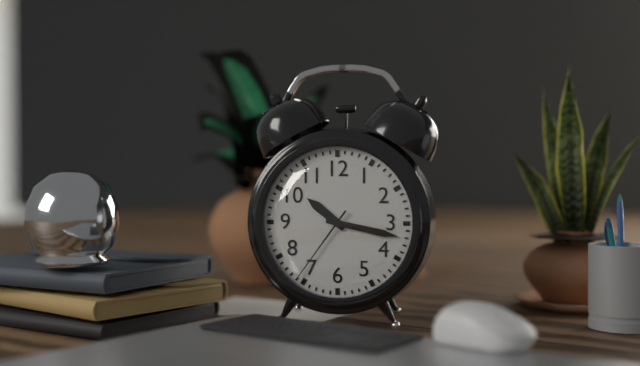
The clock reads **10:17:36**
